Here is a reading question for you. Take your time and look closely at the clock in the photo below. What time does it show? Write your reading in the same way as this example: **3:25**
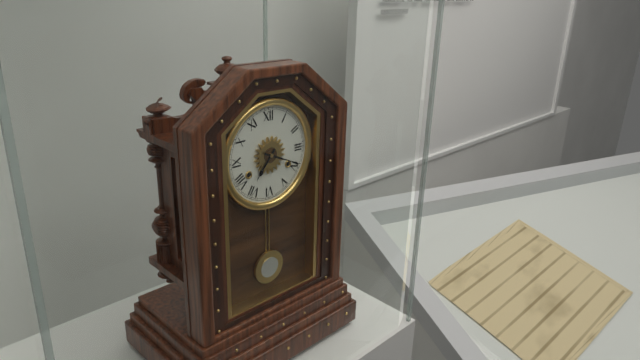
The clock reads **7:19**
